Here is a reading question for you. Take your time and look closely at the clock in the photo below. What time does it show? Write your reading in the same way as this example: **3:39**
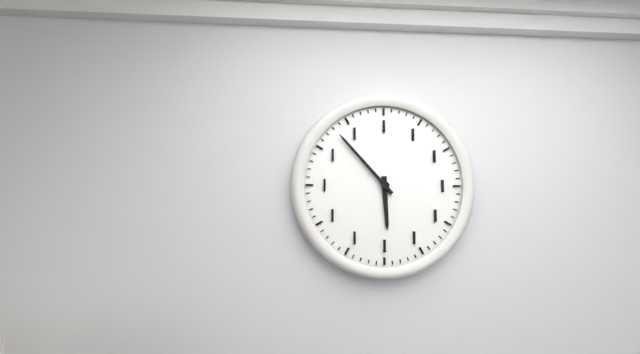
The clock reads **5:53**
